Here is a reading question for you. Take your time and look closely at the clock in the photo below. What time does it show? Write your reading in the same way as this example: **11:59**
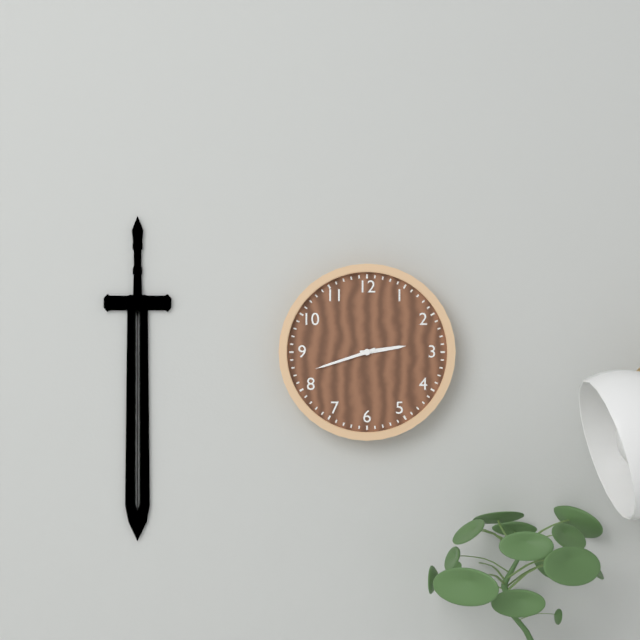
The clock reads **2:42**
